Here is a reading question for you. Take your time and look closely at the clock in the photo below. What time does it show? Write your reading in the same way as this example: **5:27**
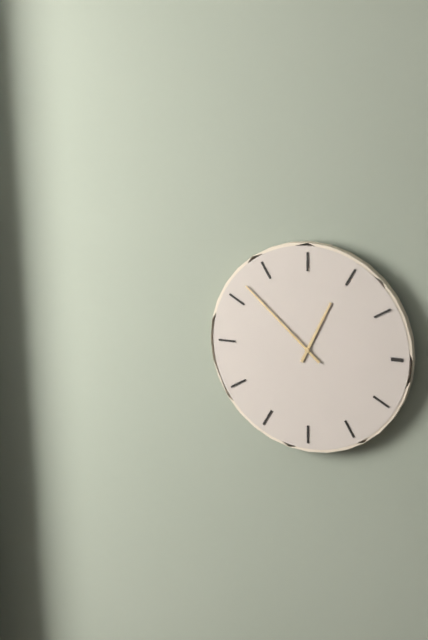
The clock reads **12:52**
